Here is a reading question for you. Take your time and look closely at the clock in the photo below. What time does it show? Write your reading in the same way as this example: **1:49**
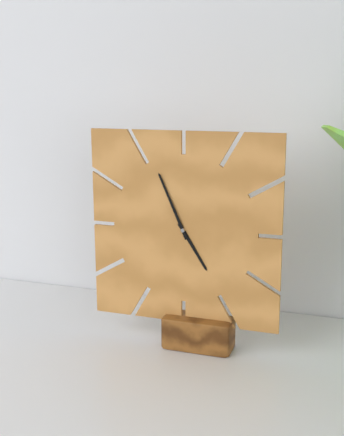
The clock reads **4:56**
